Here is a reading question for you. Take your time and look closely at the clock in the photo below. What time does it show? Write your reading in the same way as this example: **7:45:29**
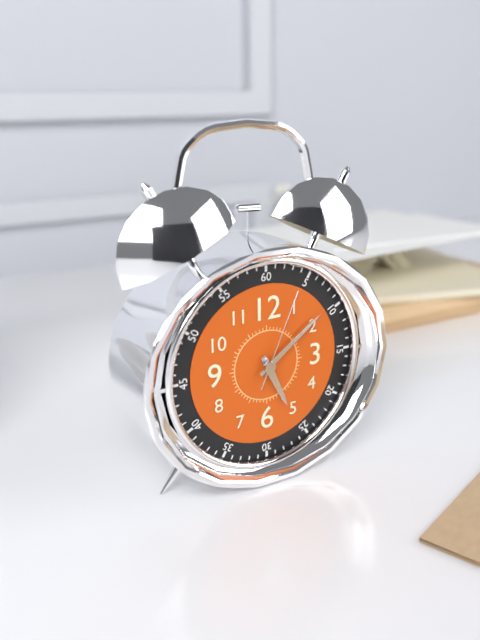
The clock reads **5:09:04**
